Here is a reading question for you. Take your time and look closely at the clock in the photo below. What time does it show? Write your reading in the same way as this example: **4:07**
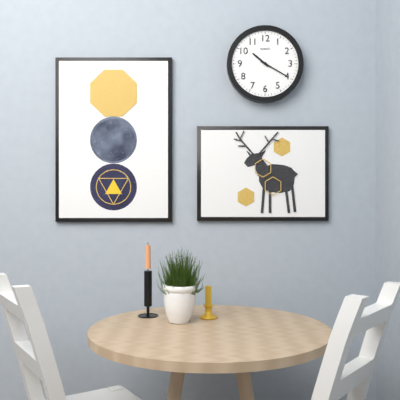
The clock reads **10:20**
